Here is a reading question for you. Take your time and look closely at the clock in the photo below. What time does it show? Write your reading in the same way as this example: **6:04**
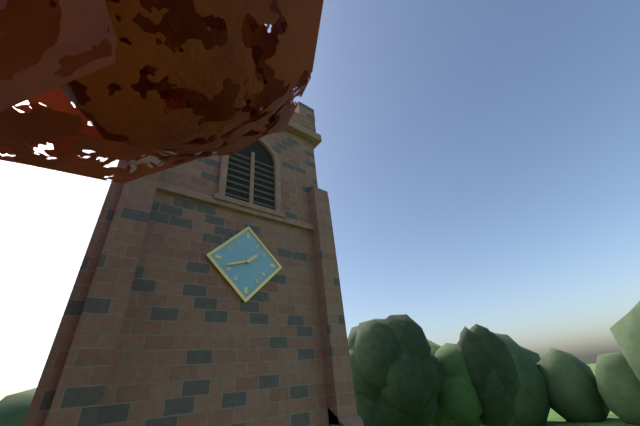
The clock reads **1:42**
